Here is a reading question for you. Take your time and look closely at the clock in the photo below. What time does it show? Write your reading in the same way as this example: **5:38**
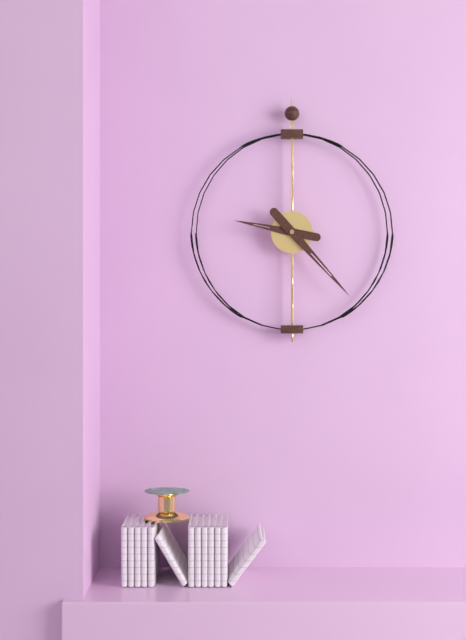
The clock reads **9:23**
